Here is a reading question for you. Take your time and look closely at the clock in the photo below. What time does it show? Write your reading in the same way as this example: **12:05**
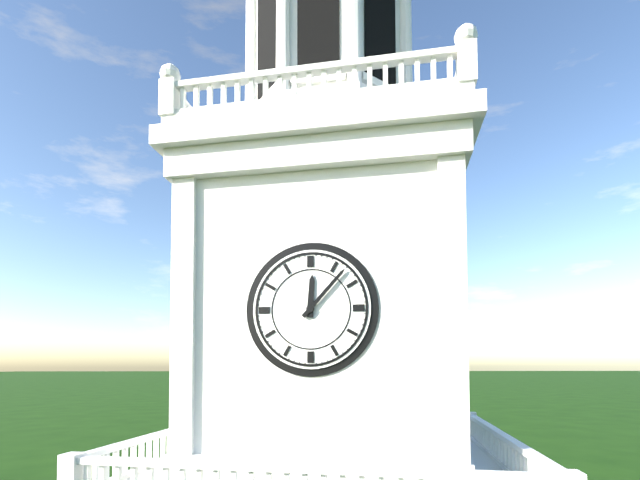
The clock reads **12:07**
